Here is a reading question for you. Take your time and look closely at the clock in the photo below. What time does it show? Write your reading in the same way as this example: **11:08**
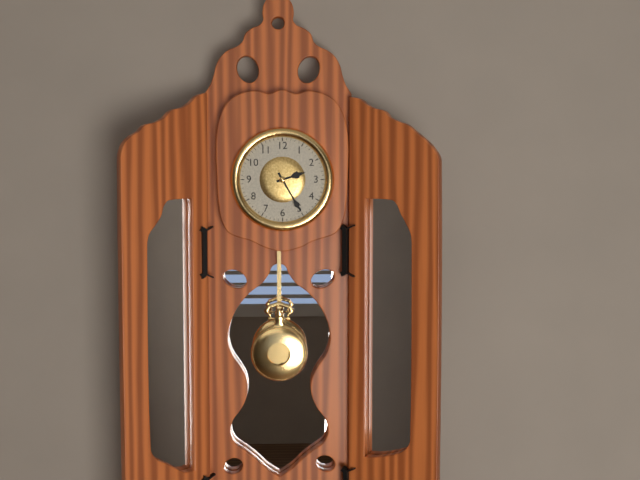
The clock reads **2:25**
